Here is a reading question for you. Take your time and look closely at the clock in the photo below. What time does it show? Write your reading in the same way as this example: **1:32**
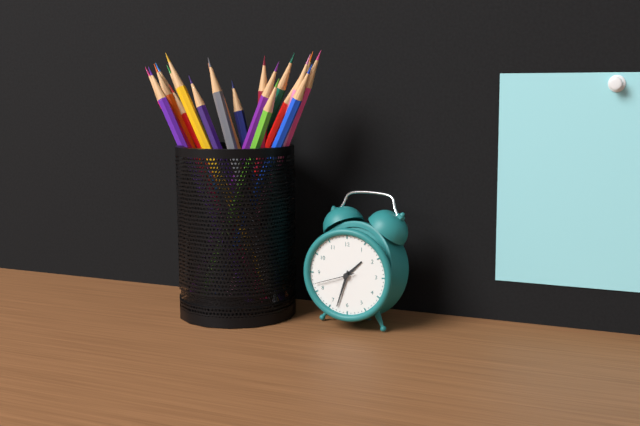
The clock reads **1:33**
